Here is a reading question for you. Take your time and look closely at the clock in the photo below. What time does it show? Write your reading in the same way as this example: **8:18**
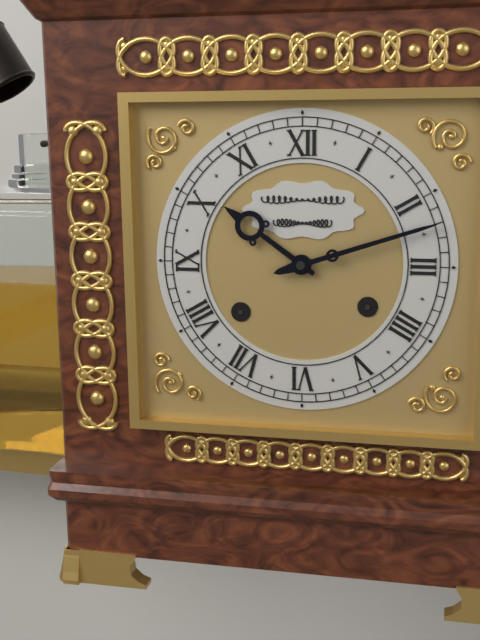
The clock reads **10:12**
